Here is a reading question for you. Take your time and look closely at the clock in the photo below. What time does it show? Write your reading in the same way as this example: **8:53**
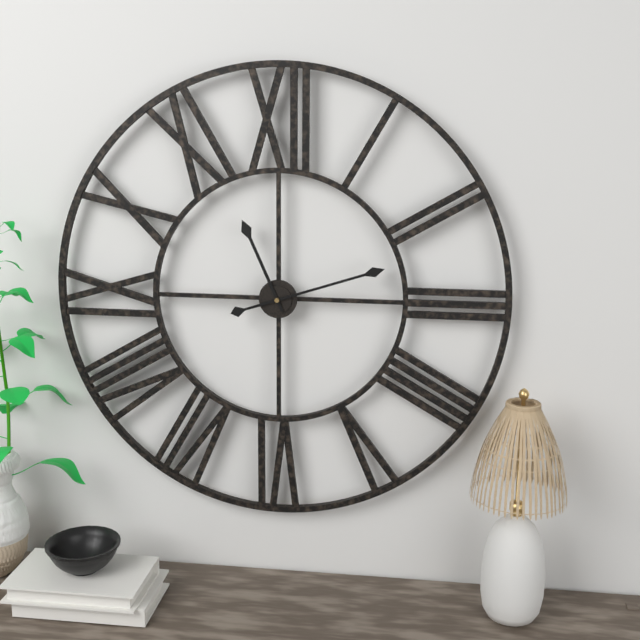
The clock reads **11:12**
